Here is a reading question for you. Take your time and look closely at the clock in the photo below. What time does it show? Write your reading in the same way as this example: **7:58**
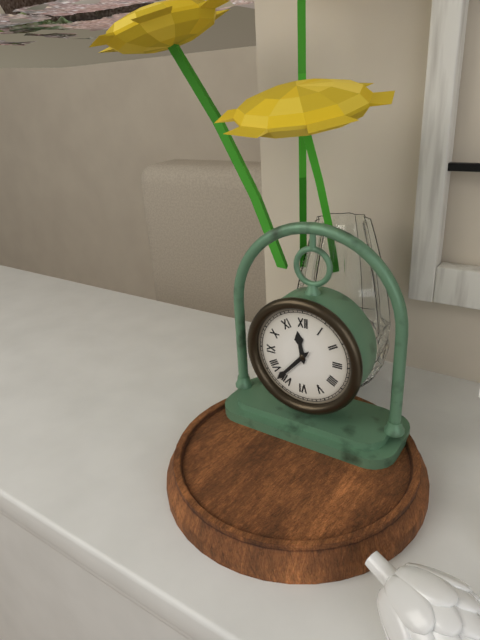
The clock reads **11:37**
